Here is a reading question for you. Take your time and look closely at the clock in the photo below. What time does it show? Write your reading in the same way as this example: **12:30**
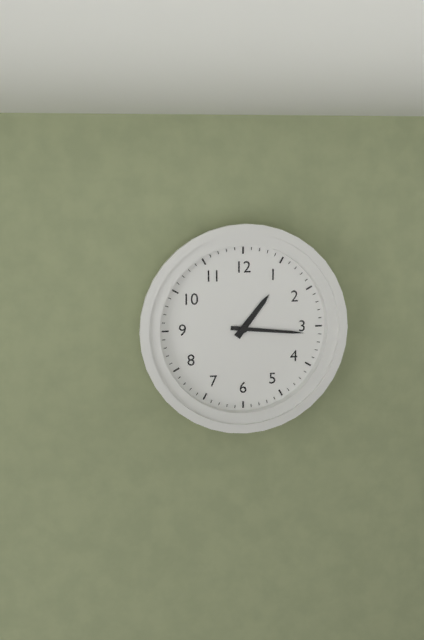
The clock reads **1:16**
